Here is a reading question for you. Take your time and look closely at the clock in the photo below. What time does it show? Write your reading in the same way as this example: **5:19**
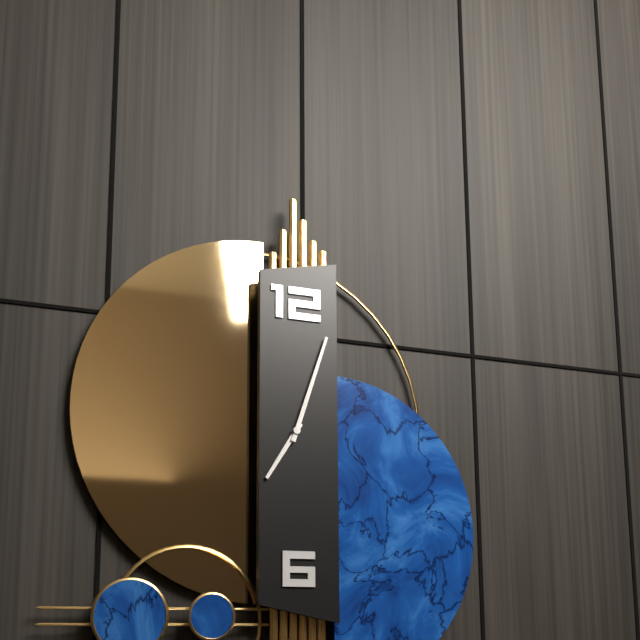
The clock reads **7:03**
